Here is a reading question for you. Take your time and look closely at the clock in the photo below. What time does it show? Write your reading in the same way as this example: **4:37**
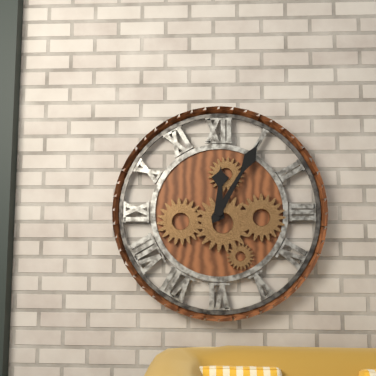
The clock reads **12:05**
